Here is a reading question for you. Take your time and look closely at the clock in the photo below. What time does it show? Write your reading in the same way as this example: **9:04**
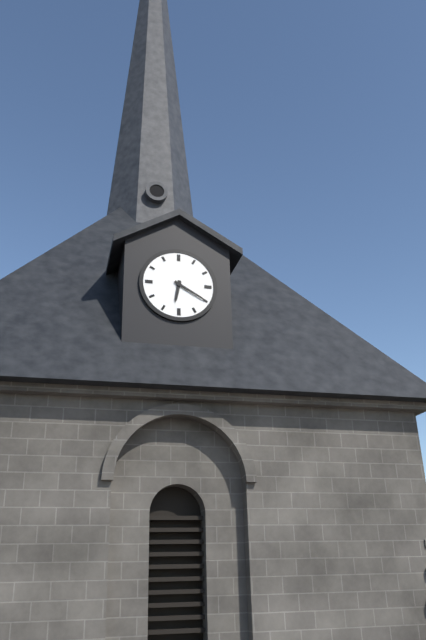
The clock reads **6:20**
